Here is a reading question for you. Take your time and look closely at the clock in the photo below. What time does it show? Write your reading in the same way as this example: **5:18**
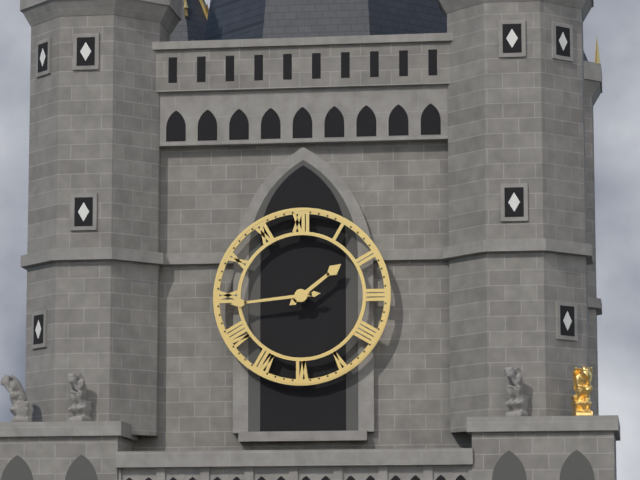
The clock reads **1:44**
